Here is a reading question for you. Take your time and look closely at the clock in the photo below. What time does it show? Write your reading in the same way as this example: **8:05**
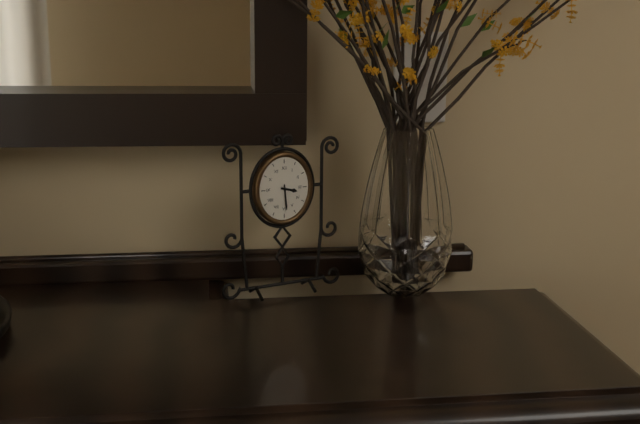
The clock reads **3:29**
